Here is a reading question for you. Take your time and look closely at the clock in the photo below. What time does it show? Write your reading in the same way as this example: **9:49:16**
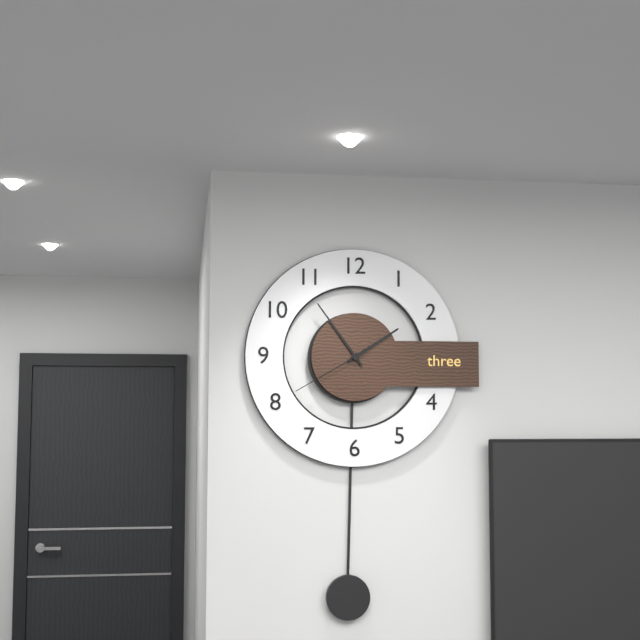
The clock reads **1:54:40**
